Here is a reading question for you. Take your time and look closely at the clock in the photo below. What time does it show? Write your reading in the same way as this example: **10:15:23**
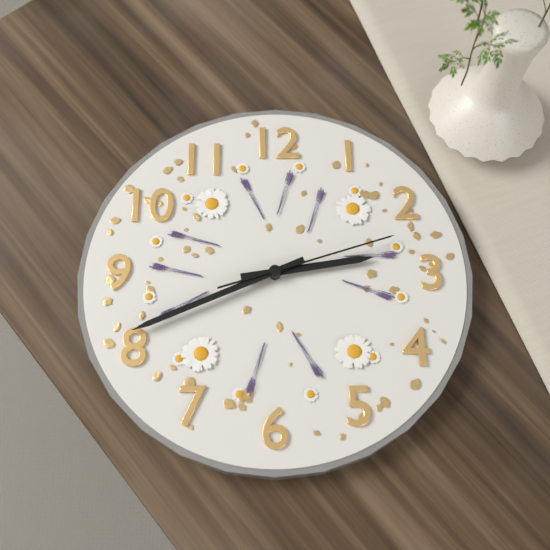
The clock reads **2:41:12**
